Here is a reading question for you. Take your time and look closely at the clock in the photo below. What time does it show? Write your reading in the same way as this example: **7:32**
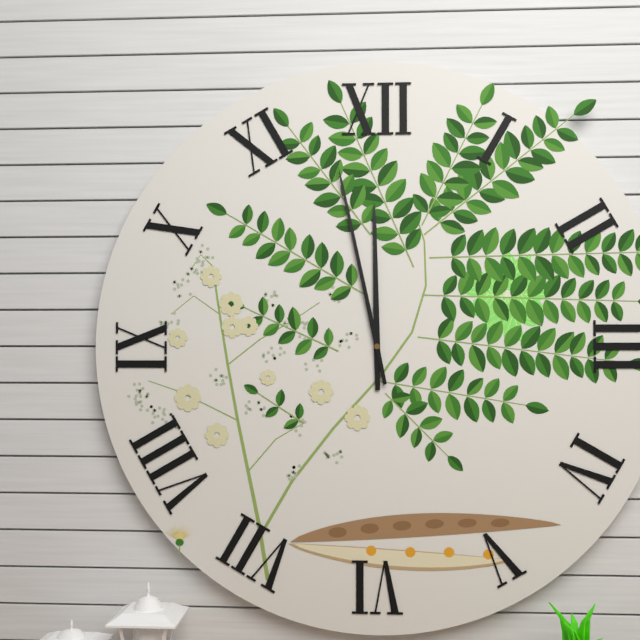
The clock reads **11:58**
